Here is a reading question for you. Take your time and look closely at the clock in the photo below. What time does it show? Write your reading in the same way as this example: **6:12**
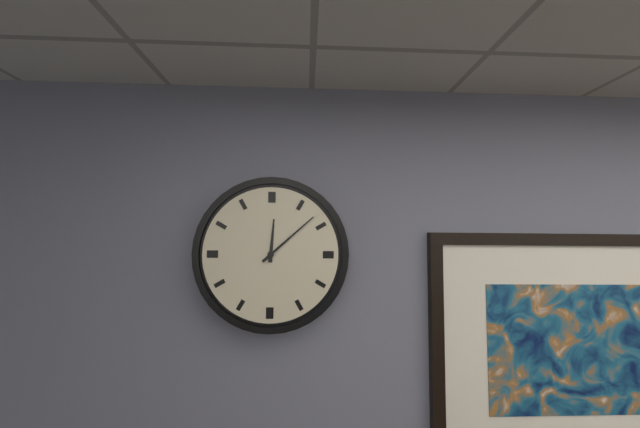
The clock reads **12:08**
